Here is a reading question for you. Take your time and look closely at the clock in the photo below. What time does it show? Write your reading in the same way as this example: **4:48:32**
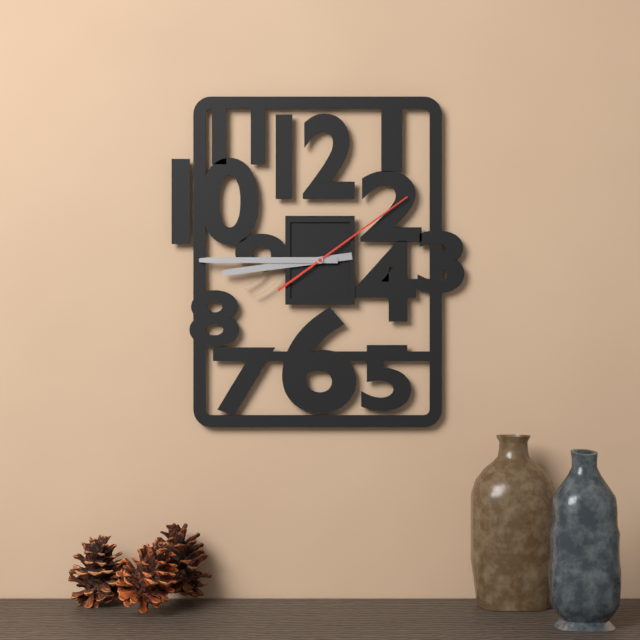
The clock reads **8:45:09**
